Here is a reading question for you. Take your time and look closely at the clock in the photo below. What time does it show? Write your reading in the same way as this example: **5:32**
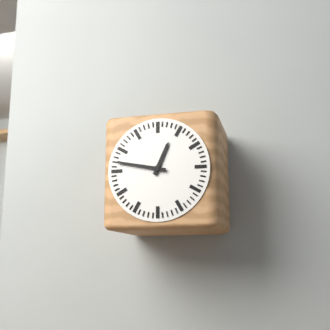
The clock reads **12:47**
